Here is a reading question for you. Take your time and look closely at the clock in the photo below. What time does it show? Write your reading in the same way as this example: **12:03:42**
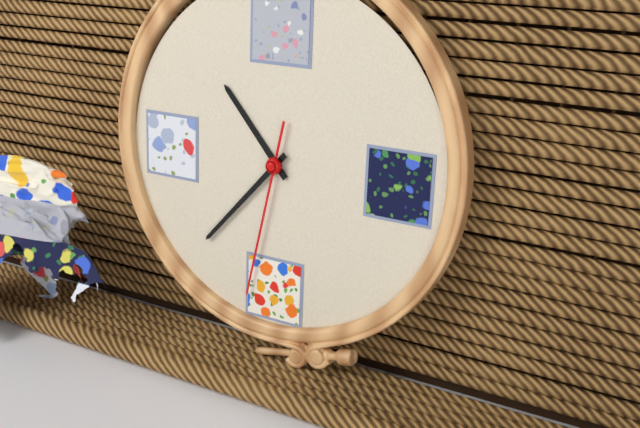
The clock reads **10:37:32**
